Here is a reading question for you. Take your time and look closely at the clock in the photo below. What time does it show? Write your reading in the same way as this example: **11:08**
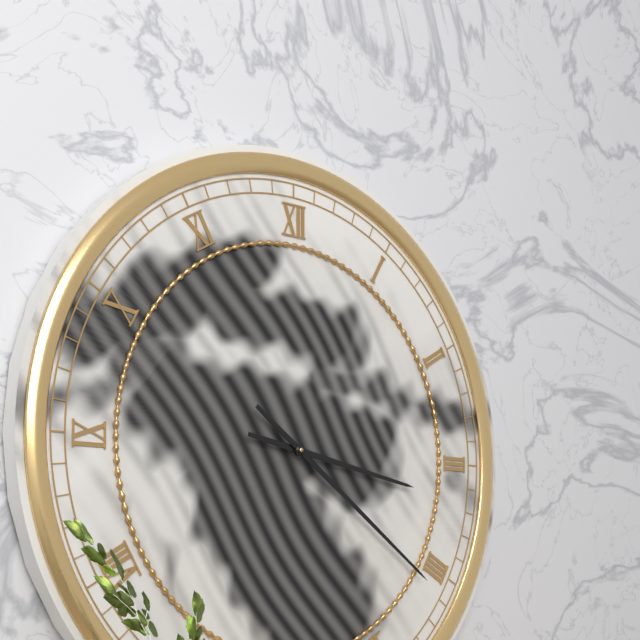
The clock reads **3:21**
